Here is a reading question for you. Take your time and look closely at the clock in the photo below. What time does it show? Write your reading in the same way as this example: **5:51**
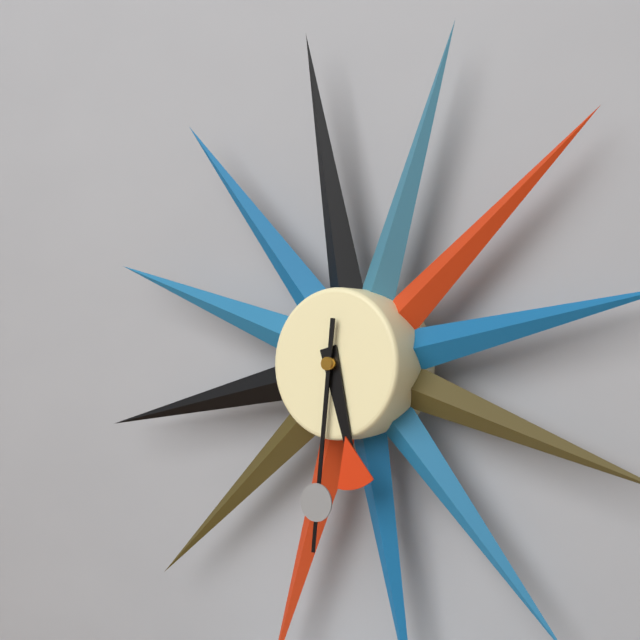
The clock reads **5:31**
